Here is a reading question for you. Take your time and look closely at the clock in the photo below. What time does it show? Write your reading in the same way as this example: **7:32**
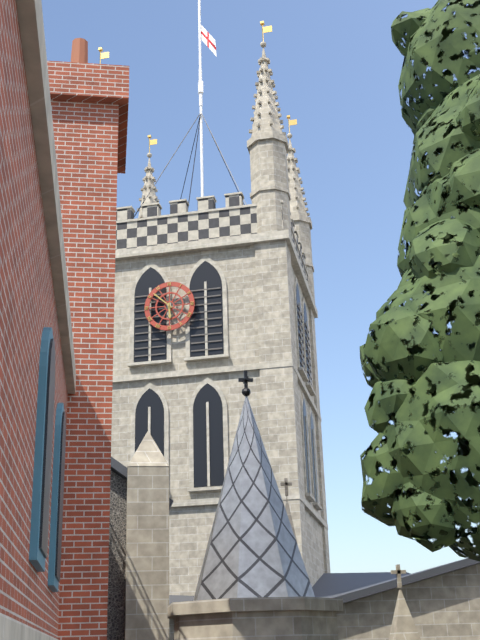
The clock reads **5:52**
